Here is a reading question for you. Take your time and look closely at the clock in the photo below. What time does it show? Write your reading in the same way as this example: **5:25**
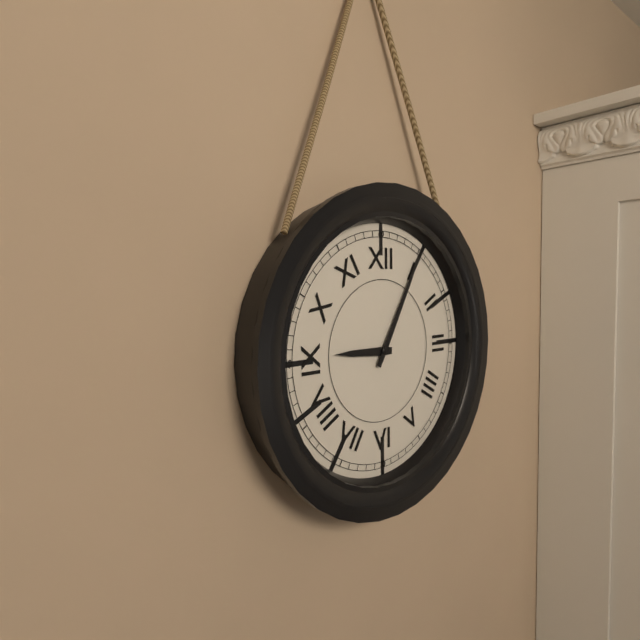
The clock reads **9:05**
